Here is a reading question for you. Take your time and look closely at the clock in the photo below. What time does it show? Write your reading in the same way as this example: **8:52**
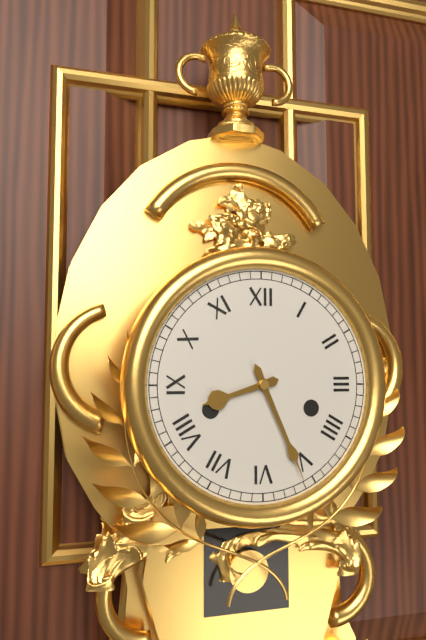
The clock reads **8:26**
